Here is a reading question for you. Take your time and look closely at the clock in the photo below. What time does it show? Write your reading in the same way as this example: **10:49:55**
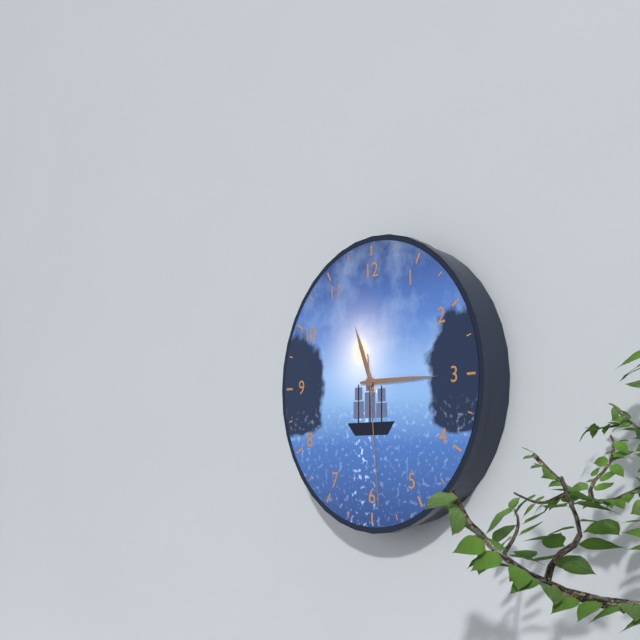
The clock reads **11:15:29**
